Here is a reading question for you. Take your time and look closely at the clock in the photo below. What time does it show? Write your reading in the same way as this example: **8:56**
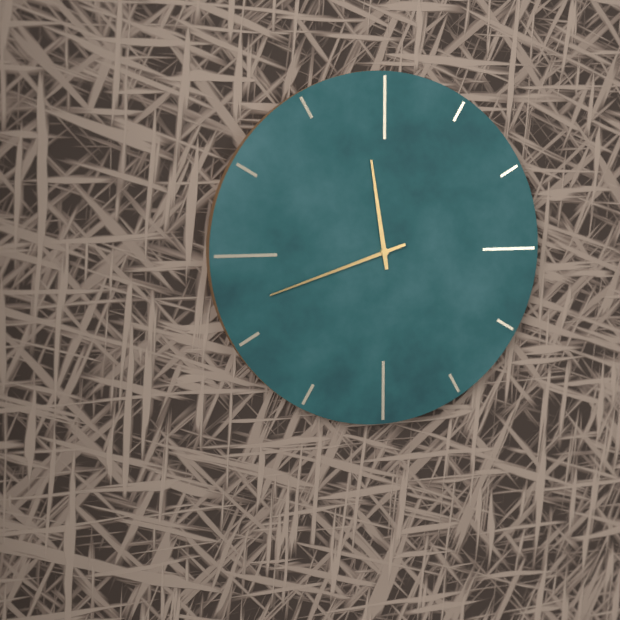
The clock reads **11:42**
